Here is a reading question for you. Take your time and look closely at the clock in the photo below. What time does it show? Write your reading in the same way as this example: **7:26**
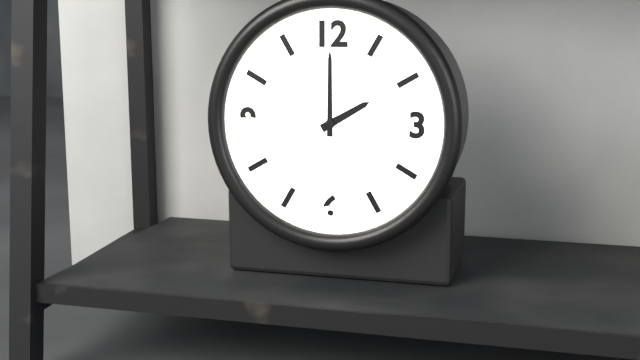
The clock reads **2:00**
